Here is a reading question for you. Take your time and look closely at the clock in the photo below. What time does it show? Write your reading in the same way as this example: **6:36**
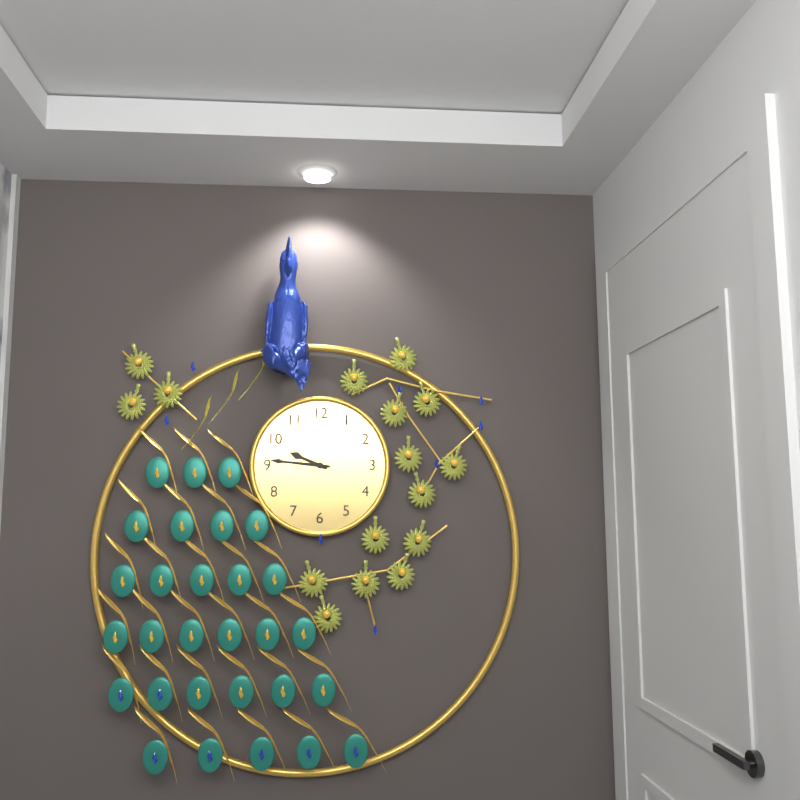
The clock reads **9:46**
